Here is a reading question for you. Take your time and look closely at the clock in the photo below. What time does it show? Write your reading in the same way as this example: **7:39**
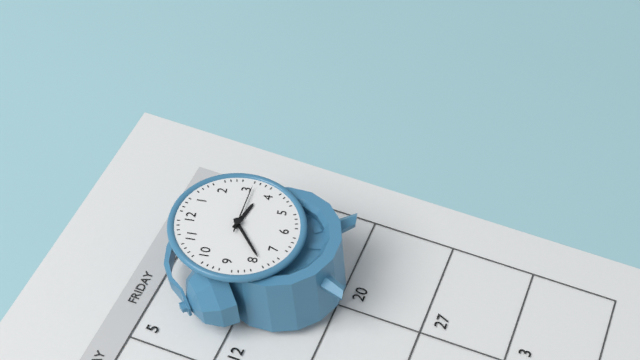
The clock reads **3:39**
